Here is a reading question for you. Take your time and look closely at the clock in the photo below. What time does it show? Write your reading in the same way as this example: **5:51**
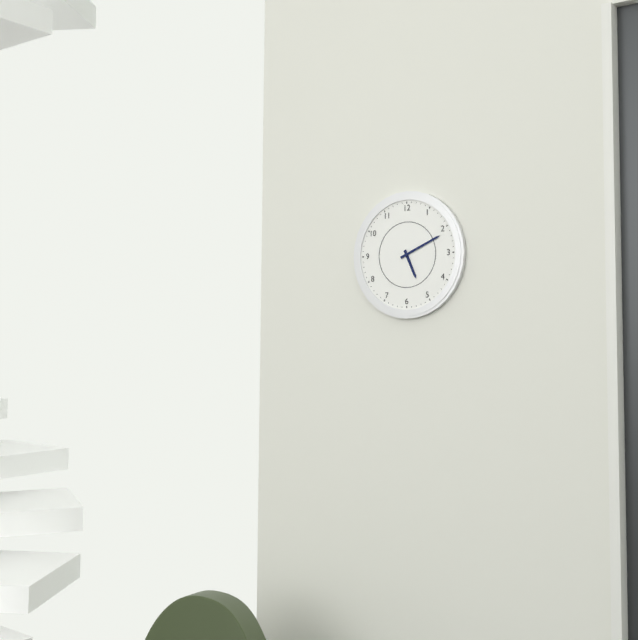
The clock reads **5:11**
